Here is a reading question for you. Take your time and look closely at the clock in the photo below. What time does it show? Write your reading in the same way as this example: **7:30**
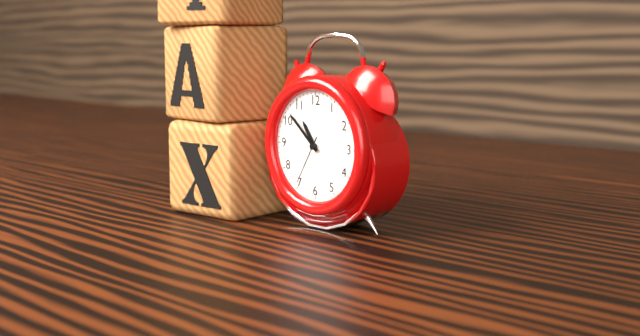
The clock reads **10:52**
